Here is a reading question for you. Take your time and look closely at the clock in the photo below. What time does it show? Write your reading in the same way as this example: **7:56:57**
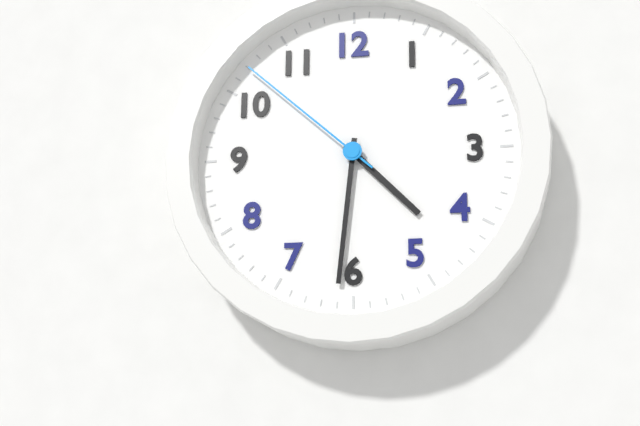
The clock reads **4:31:52**
